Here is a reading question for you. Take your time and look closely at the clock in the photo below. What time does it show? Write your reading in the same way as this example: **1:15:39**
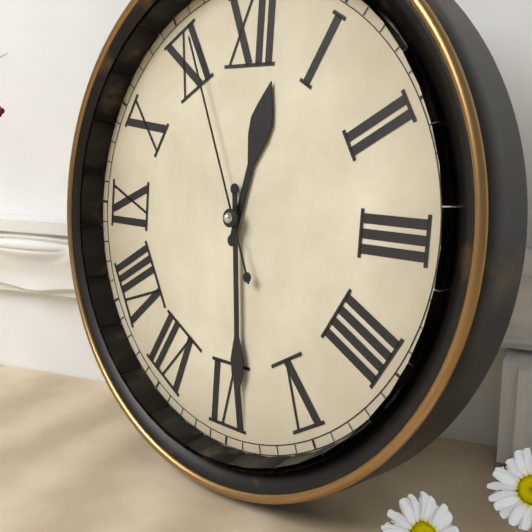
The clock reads **12:29:56**
